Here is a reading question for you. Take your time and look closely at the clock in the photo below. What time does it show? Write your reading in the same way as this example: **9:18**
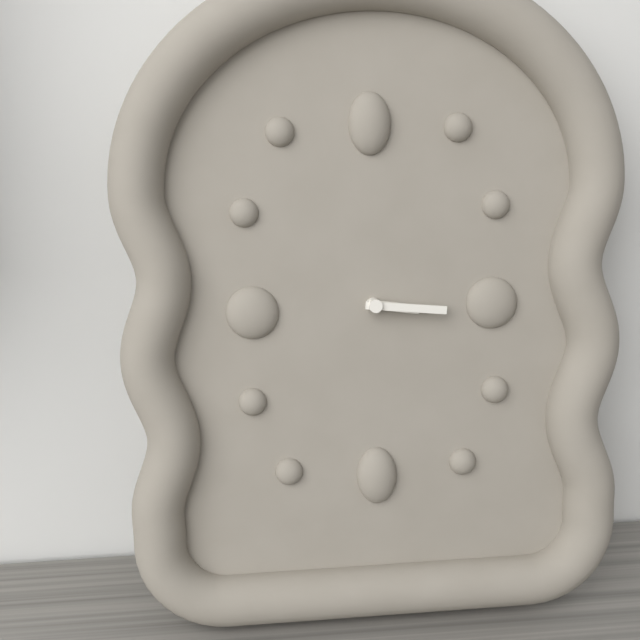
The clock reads **3:16**
